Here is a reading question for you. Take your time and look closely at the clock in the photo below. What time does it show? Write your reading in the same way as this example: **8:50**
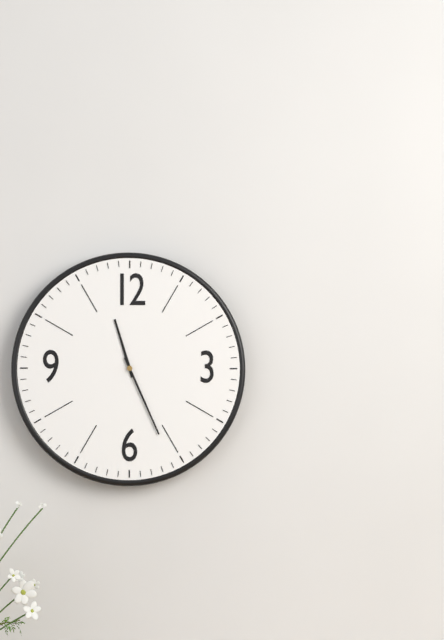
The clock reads **11:26**
